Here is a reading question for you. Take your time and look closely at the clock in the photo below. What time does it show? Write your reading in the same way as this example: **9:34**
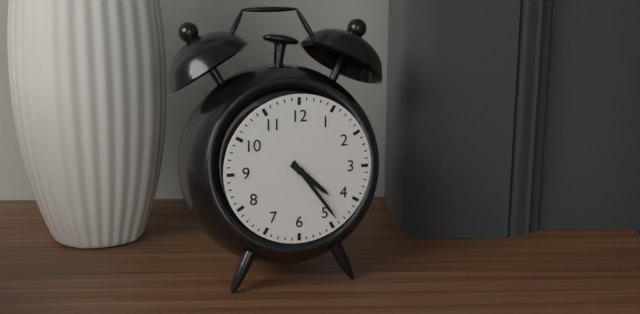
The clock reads **4:24**
